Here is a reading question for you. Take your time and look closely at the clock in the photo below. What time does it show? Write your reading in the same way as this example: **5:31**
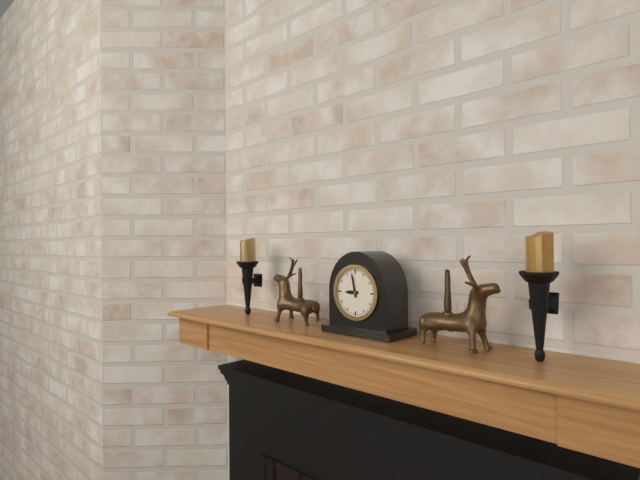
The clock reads **8:58**
